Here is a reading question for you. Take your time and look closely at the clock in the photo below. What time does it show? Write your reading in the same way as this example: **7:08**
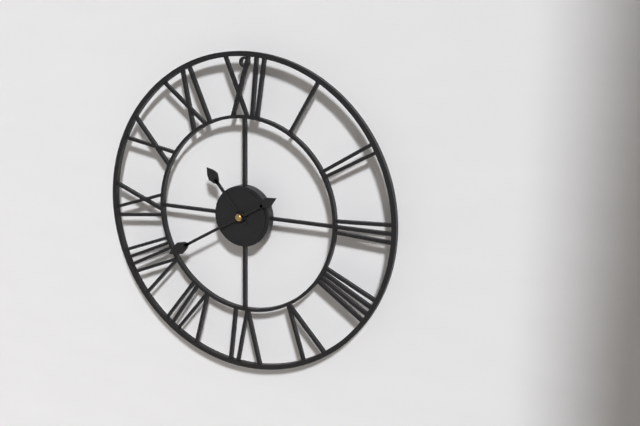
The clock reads **10:40**
